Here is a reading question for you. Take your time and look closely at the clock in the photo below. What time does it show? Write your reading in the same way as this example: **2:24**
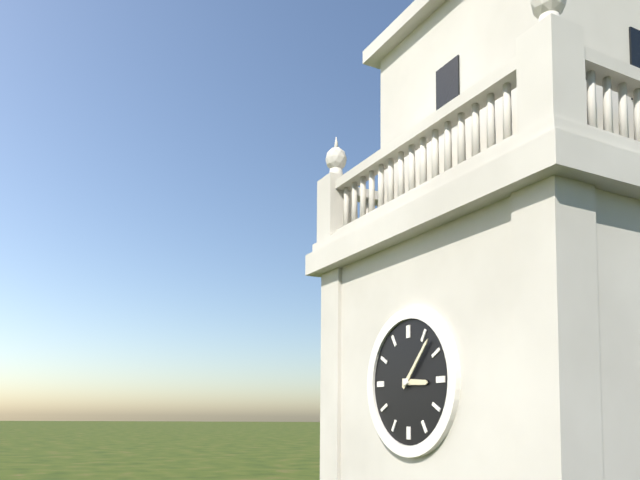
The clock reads **3:07**
